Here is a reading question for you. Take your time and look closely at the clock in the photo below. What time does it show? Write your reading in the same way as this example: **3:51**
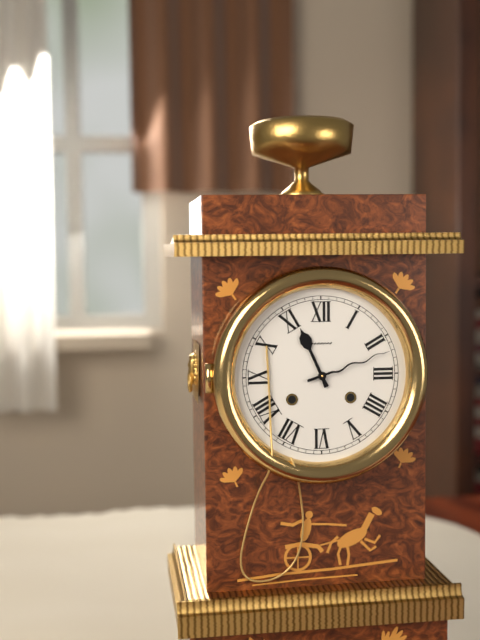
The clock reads **11:12**
